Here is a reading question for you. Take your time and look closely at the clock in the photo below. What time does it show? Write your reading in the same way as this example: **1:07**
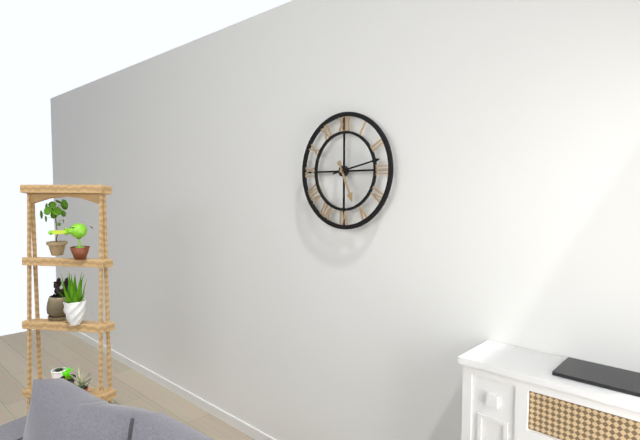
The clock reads **5:13**
